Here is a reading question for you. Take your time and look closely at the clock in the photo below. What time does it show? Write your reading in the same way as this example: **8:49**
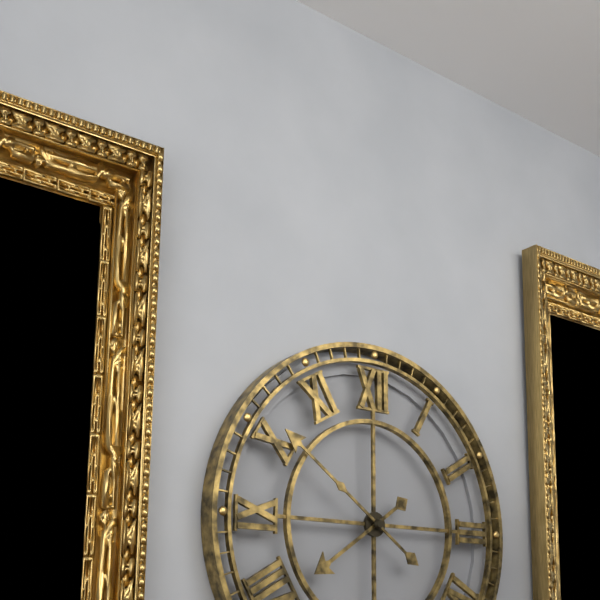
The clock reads **7:51**
